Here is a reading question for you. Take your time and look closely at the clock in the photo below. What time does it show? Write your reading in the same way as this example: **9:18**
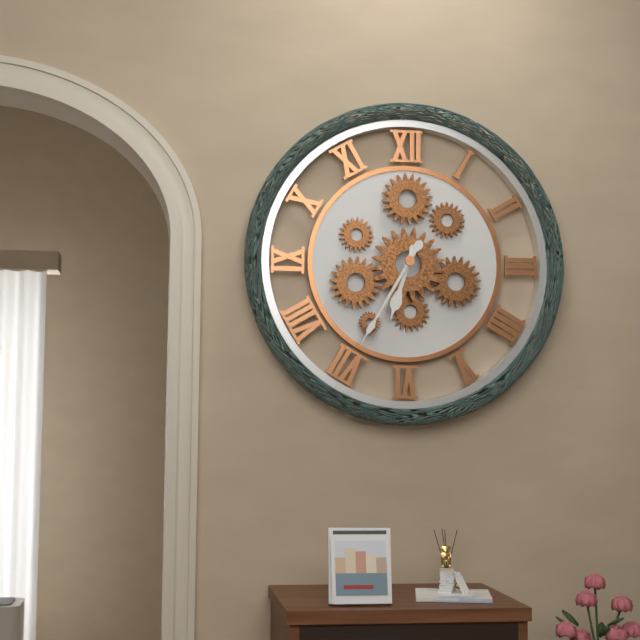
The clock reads **6:35**
